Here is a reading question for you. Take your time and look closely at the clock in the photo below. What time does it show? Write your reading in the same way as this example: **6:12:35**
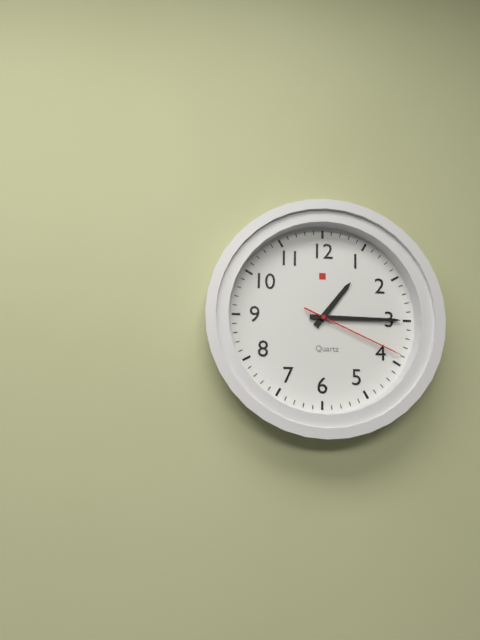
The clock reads **1:15:19**
